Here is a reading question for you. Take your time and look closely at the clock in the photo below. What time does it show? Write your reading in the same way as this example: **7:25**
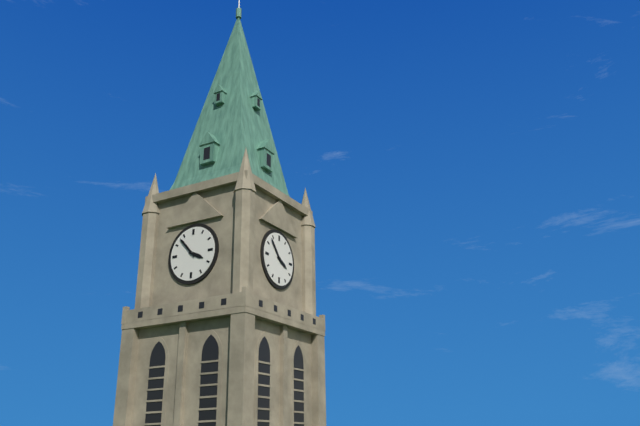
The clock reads **3:53**
